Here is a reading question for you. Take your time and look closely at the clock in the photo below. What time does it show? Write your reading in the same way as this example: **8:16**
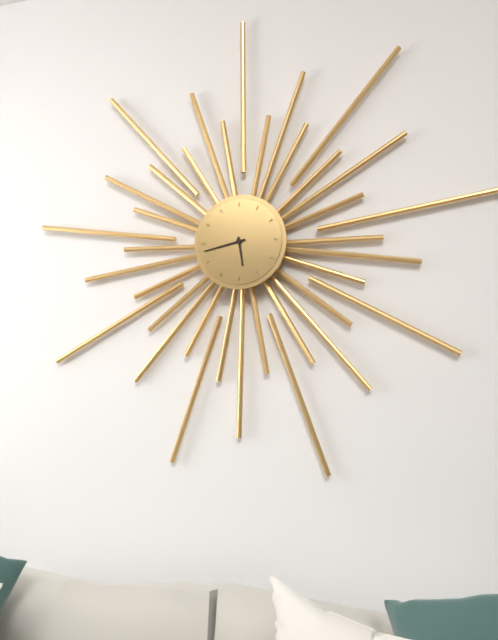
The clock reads **5:43**
